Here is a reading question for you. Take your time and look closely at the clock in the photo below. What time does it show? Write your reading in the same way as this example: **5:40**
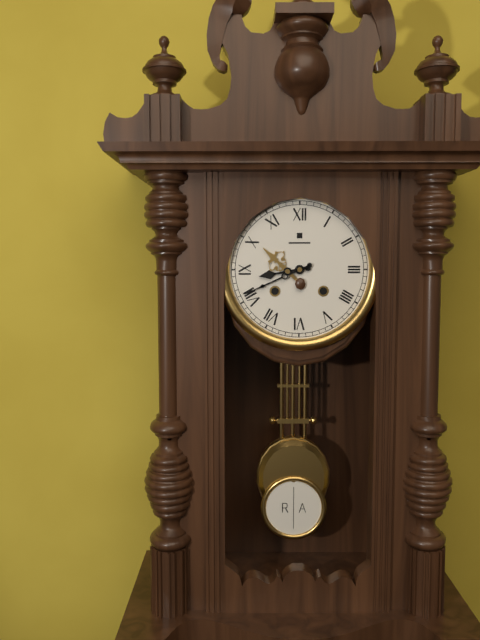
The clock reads **8:41**
